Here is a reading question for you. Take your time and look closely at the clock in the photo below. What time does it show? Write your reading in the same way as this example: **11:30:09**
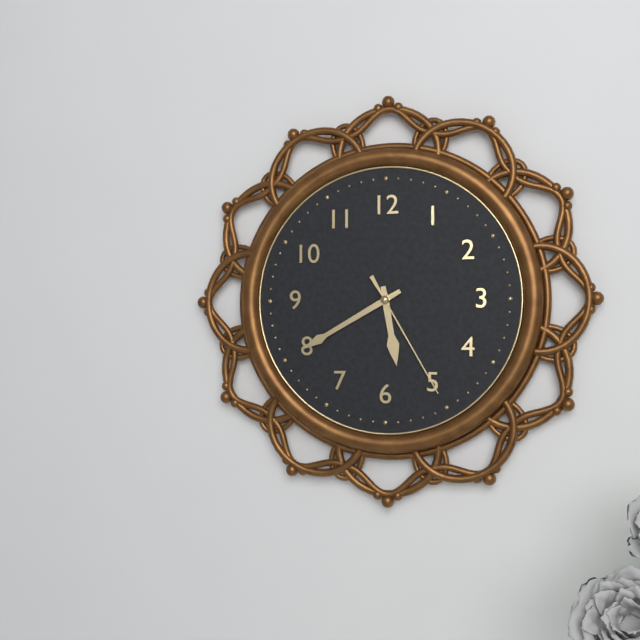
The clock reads **5:40:25**
